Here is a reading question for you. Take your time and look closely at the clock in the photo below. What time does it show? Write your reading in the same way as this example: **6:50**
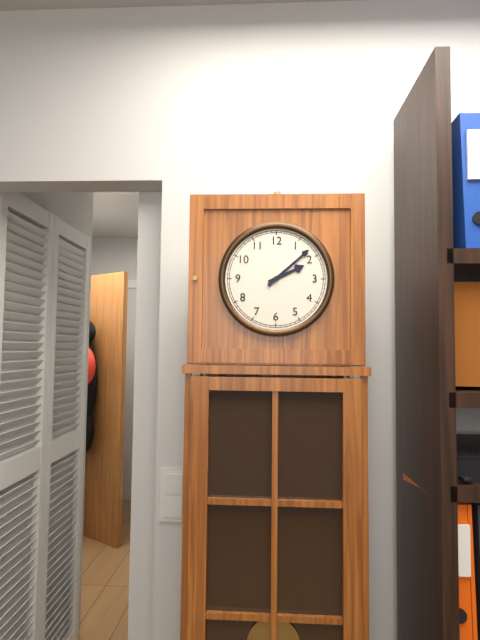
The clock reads **2:08**
